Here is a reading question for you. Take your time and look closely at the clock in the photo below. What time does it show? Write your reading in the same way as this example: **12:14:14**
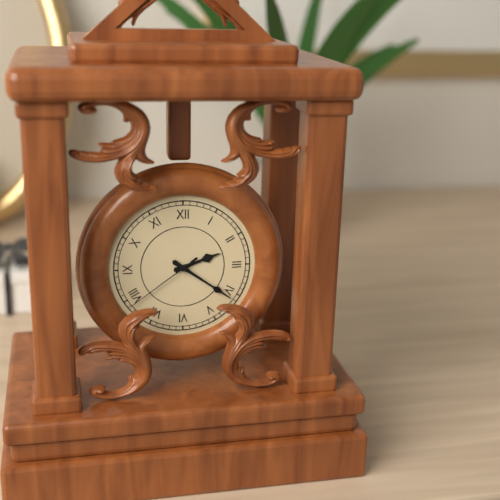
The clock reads **2:21:39**
